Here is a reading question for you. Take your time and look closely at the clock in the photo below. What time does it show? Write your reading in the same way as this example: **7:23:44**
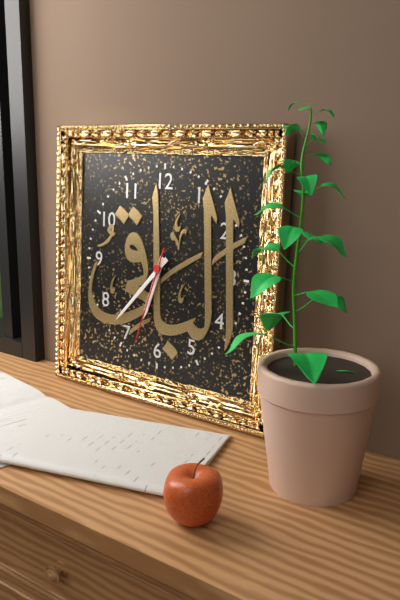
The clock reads **6:37:33**
